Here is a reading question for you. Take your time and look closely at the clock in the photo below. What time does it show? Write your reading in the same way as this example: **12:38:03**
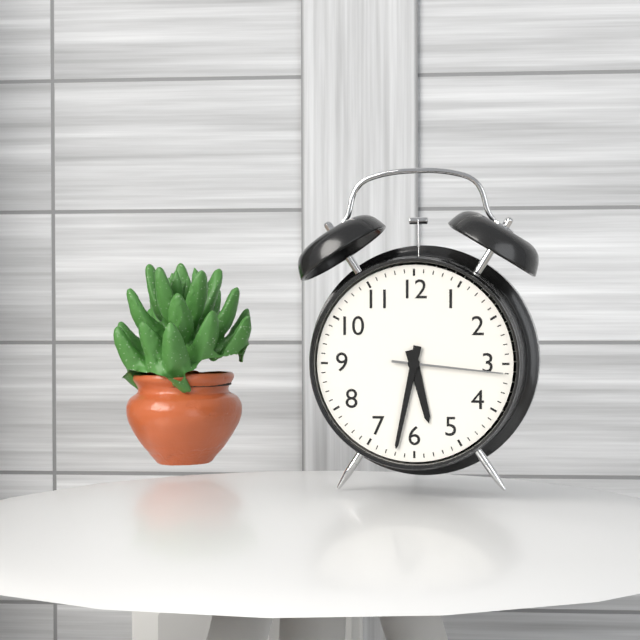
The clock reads **5:32:16**
